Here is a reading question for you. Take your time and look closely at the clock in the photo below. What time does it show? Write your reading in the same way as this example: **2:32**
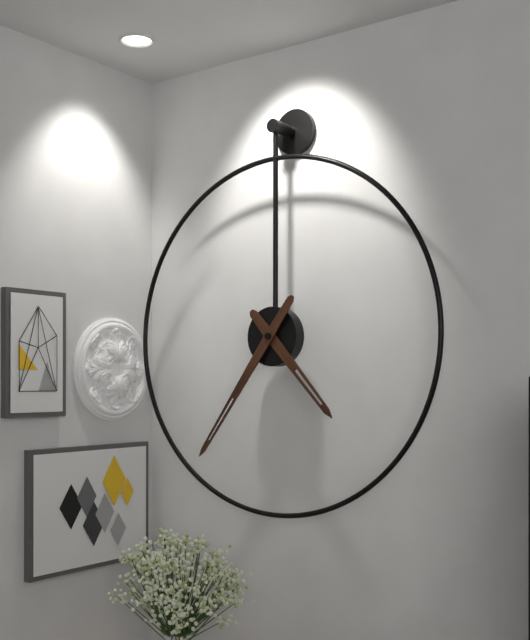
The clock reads **4:36**
